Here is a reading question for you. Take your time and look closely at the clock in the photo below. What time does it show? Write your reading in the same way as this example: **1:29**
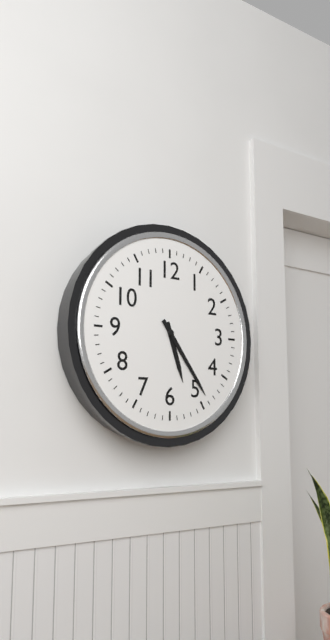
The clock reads **5:24**
